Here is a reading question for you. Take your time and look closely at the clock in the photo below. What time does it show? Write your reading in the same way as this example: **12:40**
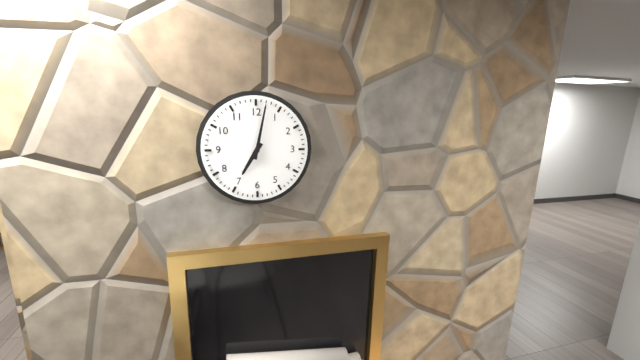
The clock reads **7:02**
